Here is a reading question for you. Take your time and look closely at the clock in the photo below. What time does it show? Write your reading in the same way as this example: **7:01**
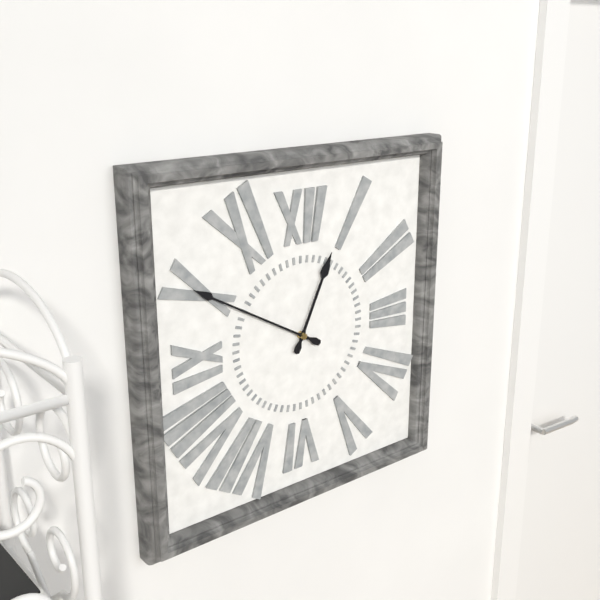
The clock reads **12:50**
